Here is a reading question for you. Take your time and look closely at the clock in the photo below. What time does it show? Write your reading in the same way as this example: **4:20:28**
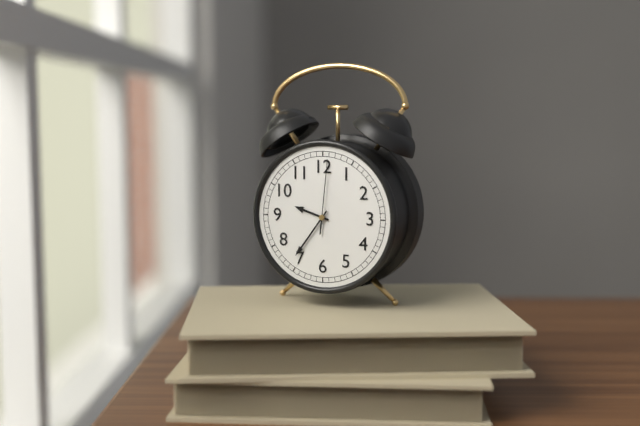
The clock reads **9:36:01**
